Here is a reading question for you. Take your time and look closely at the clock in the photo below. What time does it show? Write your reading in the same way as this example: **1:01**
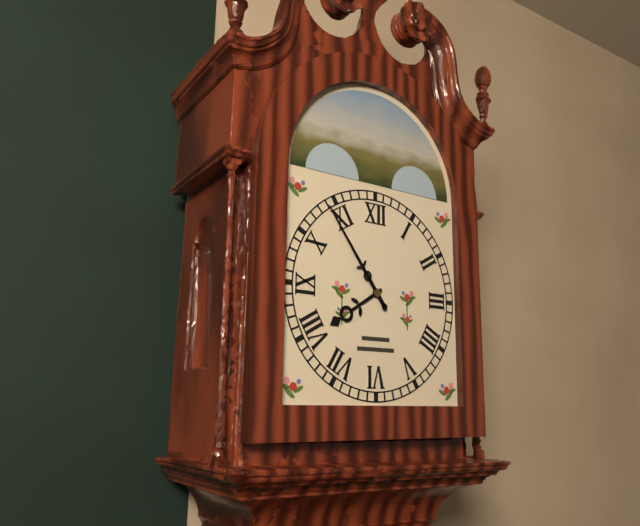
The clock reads **7:54**
